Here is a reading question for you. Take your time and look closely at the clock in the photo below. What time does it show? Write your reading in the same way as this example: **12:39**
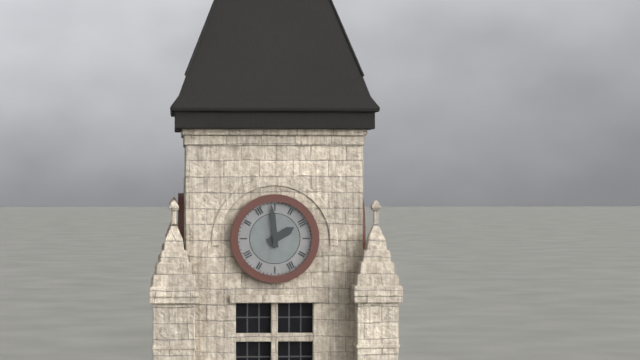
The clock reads **1:59**
